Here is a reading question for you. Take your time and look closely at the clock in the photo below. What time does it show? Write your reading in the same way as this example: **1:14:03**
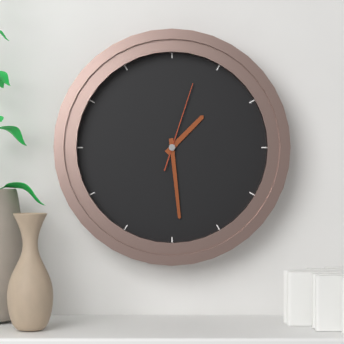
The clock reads **1:29:03**
